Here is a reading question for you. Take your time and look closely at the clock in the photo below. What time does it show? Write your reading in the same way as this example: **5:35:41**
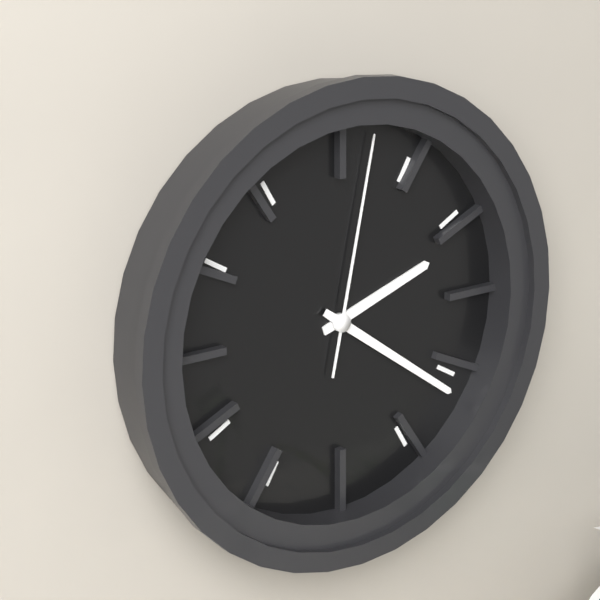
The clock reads **2:21:02**
